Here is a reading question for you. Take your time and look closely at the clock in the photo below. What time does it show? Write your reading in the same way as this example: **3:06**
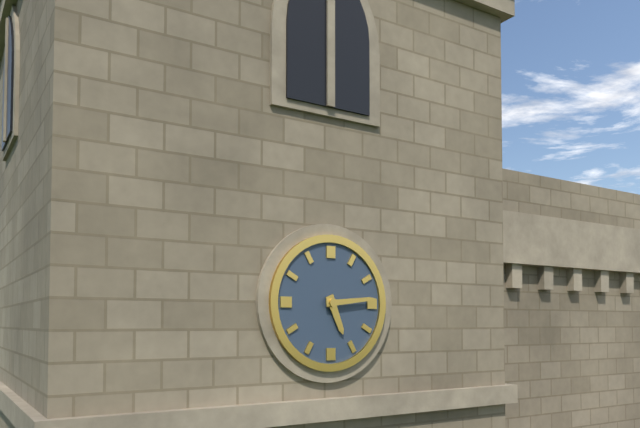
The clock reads **5:14**
